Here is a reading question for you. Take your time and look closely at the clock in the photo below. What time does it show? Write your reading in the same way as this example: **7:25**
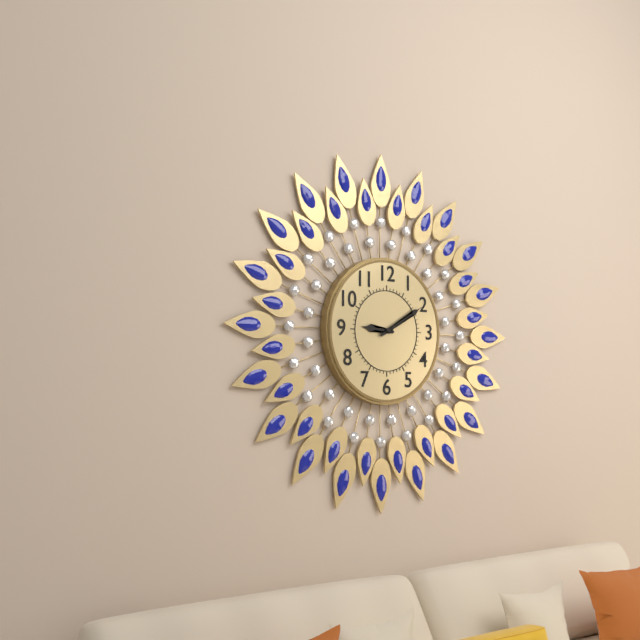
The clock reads **9:10**
